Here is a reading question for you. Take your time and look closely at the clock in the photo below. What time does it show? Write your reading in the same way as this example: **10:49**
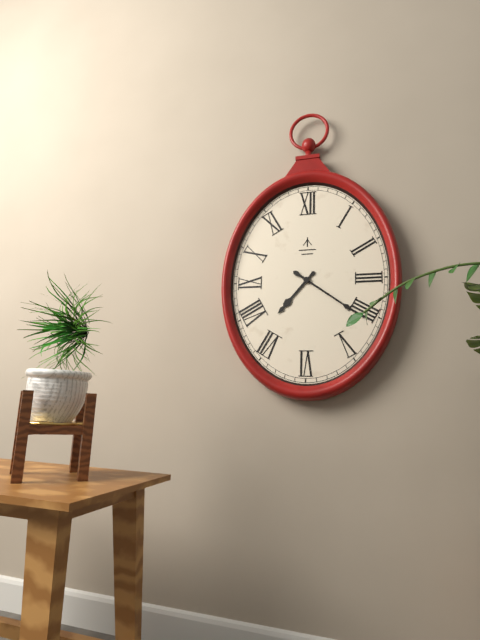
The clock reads **7:21**
